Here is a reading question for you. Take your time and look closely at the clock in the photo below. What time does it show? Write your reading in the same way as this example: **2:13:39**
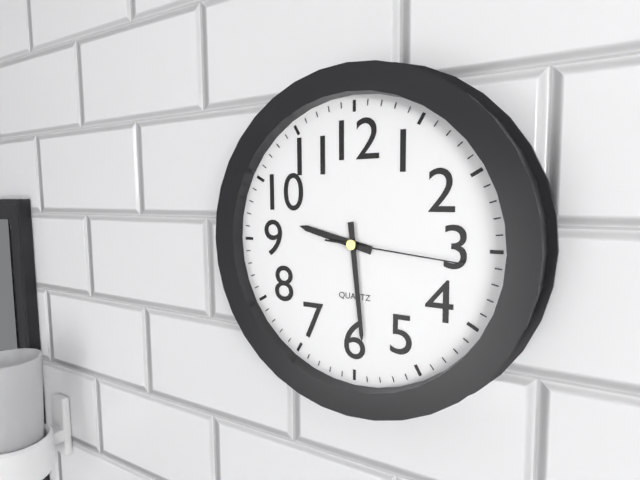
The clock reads **9:29:16**
